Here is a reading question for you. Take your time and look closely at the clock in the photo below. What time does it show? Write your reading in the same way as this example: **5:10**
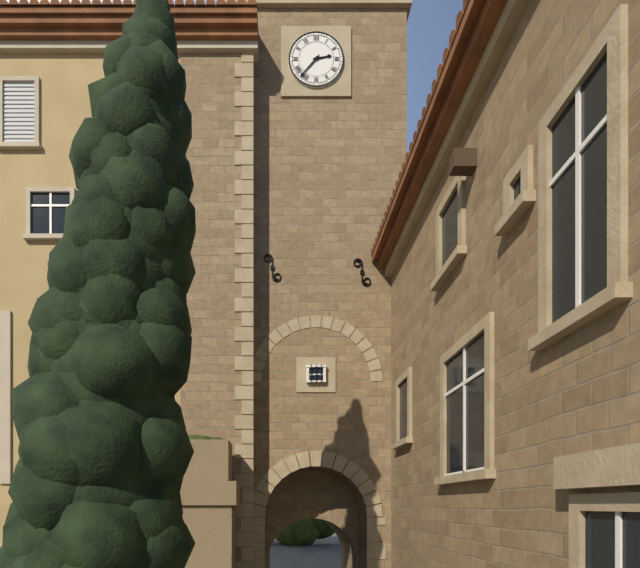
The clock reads **2:37**
